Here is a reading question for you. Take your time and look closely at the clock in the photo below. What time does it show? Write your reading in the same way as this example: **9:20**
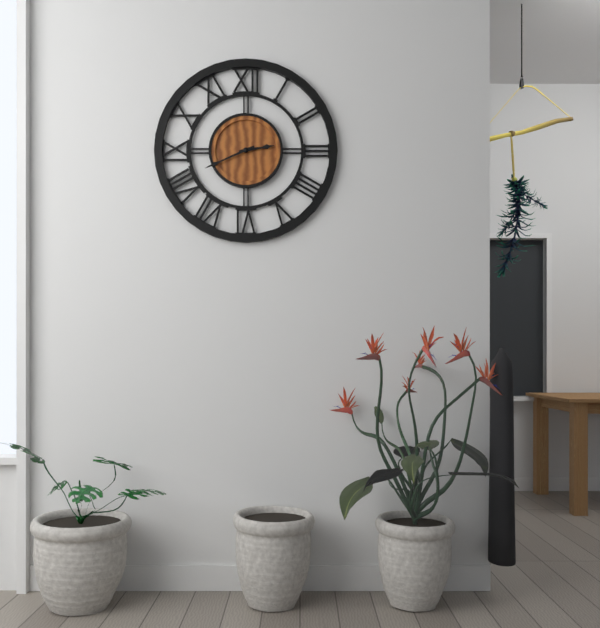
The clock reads **2:41**
